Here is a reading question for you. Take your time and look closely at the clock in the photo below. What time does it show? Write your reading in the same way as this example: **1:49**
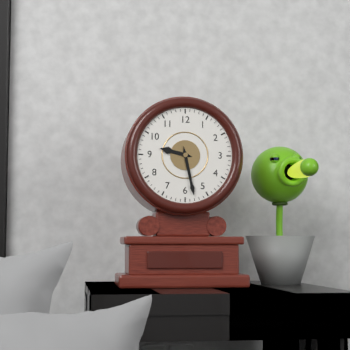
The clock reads **9:28**
